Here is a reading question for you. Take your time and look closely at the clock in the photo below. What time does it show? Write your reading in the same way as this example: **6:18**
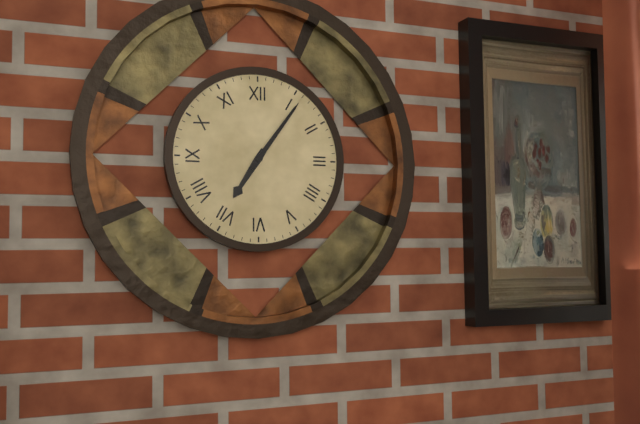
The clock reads **7:06**
